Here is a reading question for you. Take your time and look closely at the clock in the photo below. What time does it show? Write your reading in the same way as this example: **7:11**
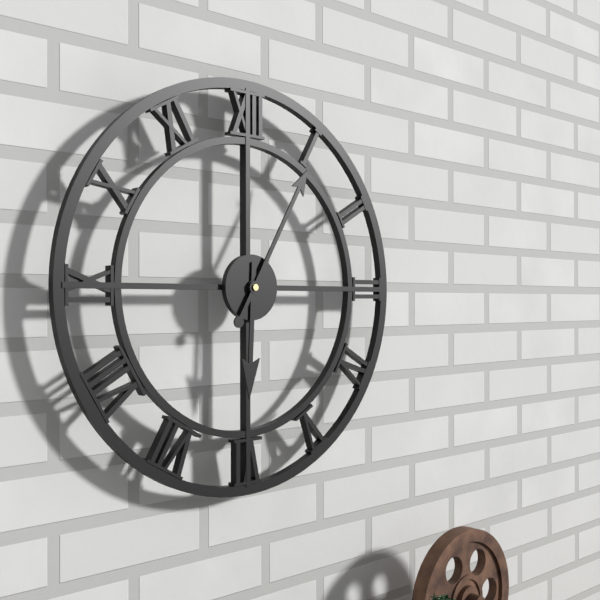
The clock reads **6:05**
